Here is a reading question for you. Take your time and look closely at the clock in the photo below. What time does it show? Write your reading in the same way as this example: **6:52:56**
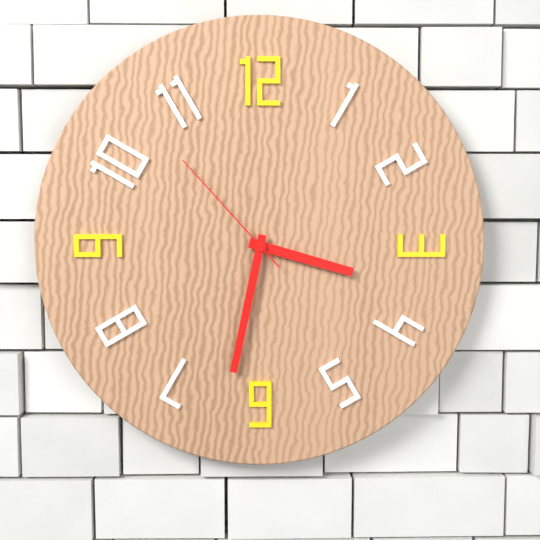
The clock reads **3:32:53**
